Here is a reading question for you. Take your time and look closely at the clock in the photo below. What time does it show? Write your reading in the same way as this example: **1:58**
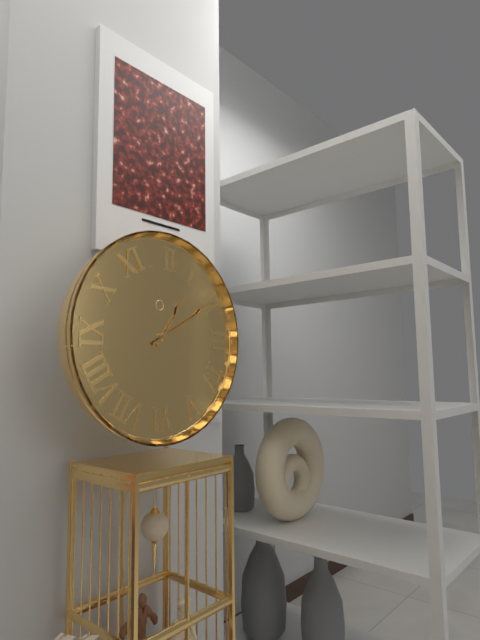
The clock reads **1:10**
